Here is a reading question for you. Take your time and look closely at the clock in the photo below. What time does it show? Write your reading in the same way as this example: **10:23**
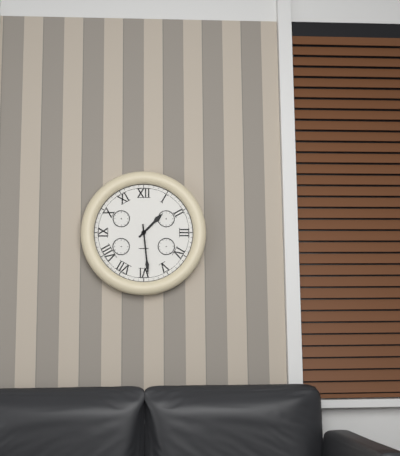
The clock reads **1:29**
